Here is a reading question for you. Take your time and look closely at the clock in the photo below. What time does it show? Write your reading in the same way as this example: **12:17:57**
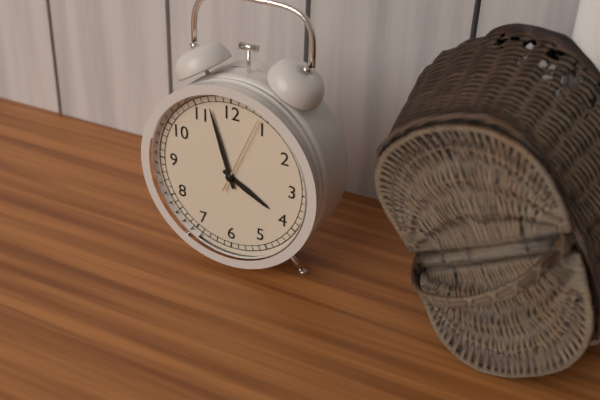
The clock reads **3:57:04**
